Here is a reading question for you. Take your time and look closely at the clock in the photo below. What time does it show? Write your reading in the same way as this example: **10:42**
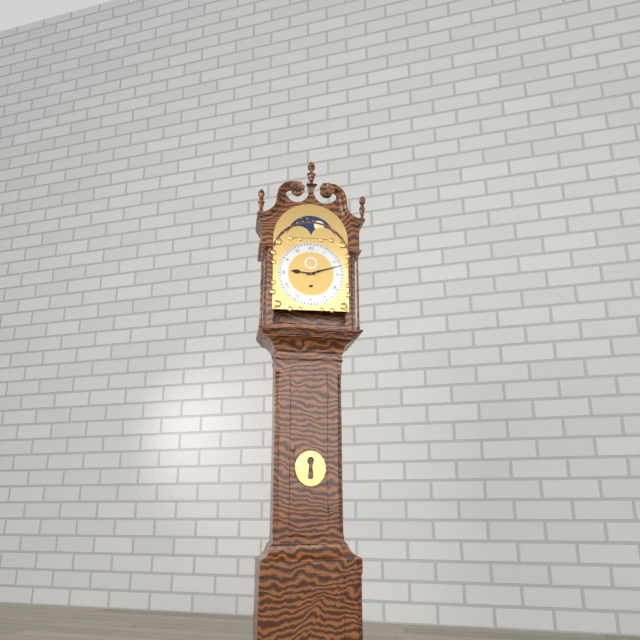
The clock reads **9:12**
